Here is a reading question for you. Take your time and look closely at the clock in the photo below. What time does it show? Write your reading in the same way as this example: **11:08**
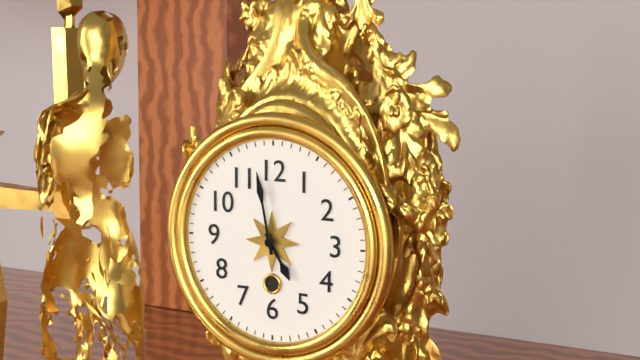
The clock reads **4:58**
